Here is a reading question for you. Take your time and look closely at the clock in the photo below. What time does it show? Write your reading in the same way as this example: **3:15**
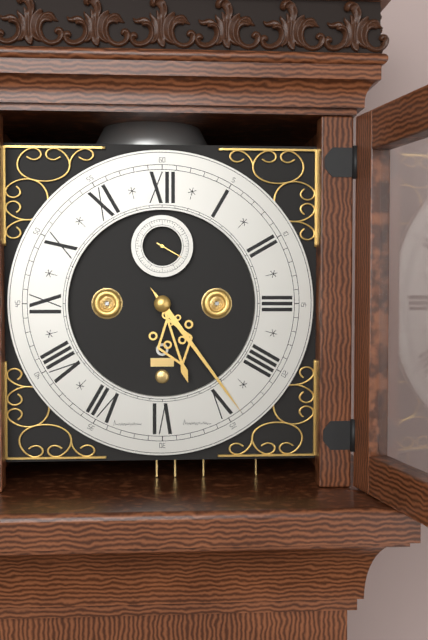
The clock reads **5:24**
